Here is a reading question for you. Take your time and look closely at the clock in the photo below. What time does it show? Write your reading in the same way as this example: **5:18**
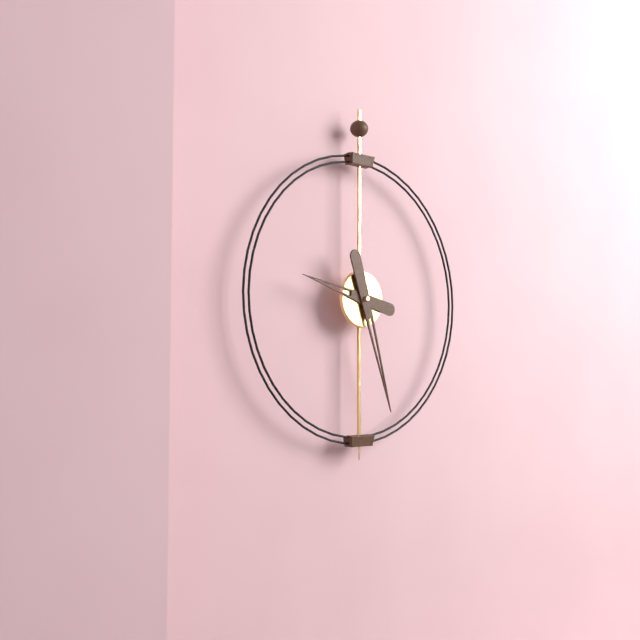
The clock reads **9:27**
